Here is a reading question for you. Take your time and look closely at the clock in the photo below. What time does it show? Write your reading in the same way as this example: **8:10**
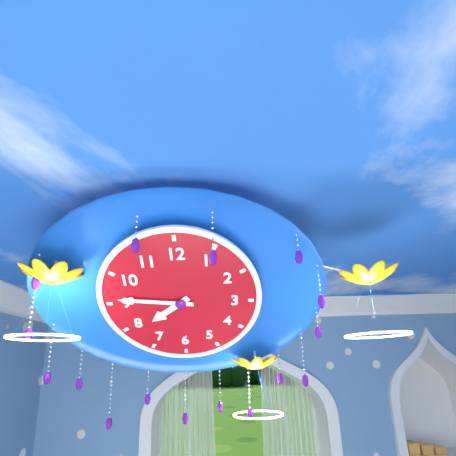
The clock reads **7:46**
